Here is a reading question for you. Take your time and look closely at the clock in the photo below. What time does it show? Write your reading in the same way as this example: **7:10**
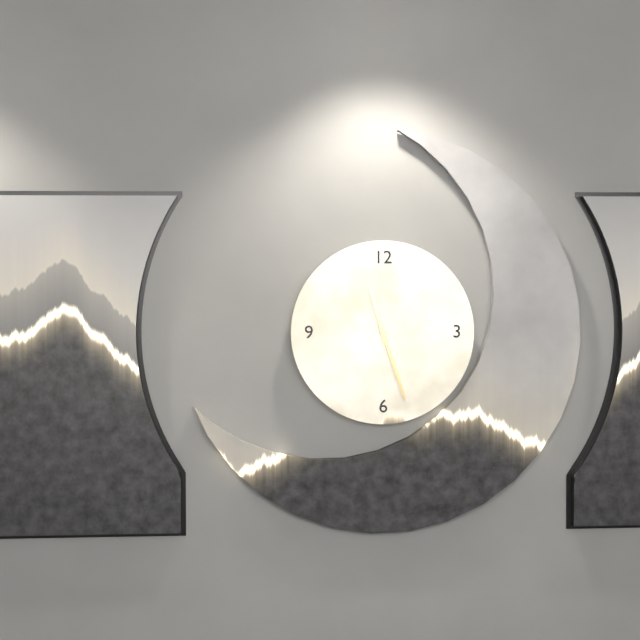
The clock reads **11:27**
